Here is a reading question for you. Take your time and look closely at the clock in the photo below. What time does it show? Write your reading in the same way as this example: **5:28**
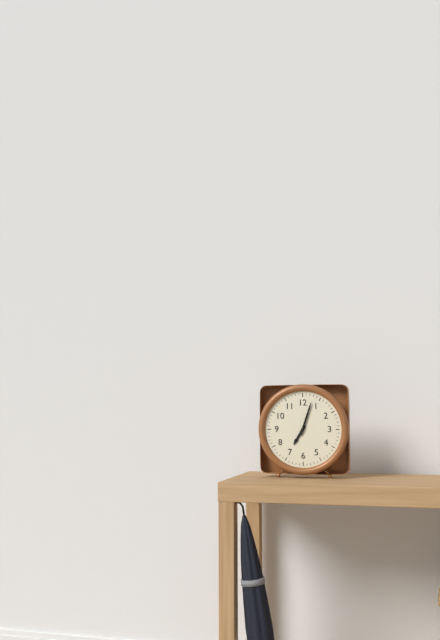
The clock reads **7:03**
